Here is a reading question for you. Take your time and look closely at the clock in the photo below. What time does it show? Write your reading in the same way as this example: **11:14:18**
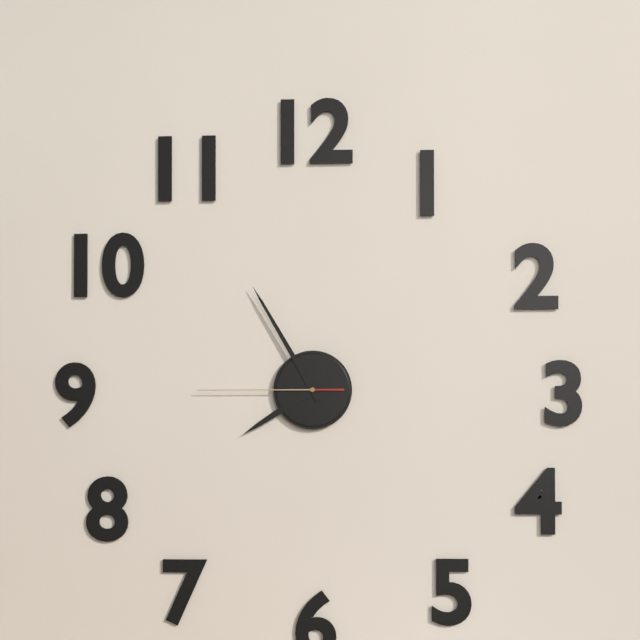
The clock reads **7:55:45**
